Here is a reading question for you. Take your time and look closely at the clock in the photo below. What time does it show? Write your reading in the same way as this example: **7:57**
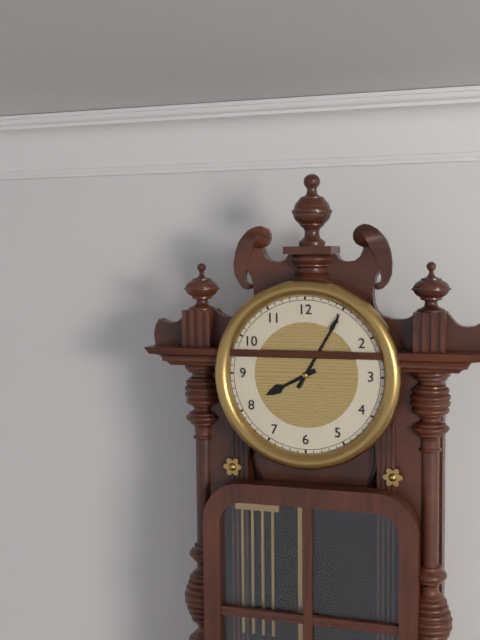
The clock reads **8:05**
